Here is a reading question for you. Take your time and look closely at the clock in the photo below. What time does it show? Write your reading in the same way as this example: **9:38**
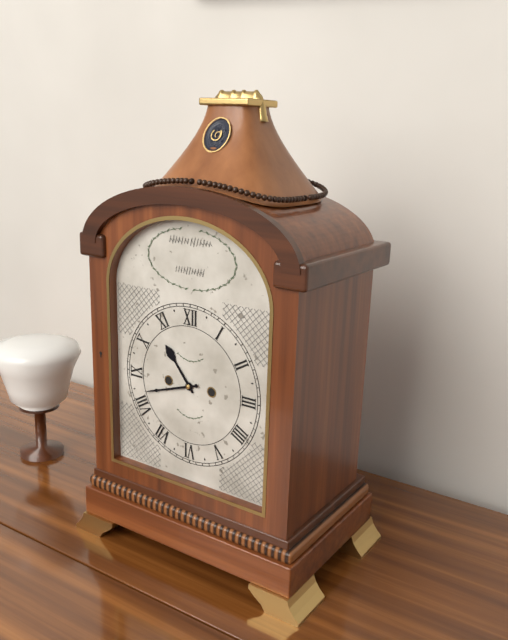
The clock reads **10:42**
